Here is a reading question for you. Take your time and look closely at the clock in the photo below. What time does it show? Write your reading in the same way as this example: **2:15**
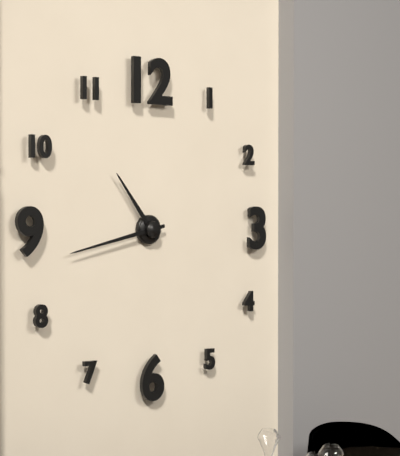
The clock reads **10:43**
